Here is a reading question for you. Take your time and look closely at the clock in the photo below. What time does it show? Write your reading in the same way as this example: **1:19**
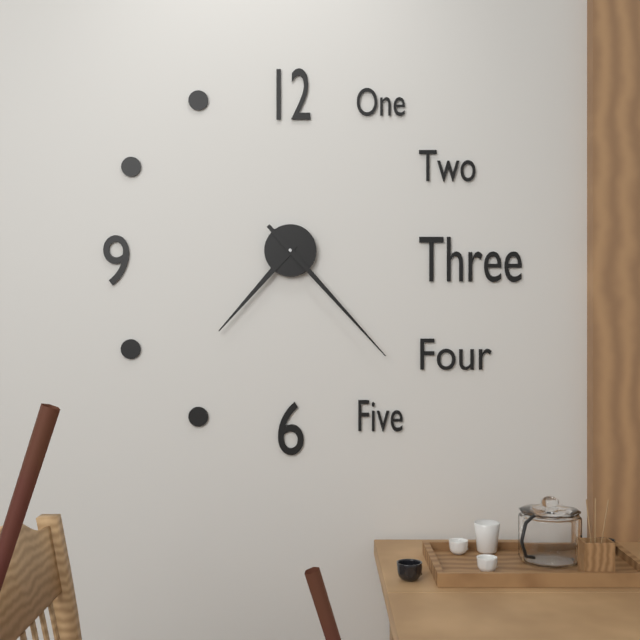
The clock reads **7:23**
